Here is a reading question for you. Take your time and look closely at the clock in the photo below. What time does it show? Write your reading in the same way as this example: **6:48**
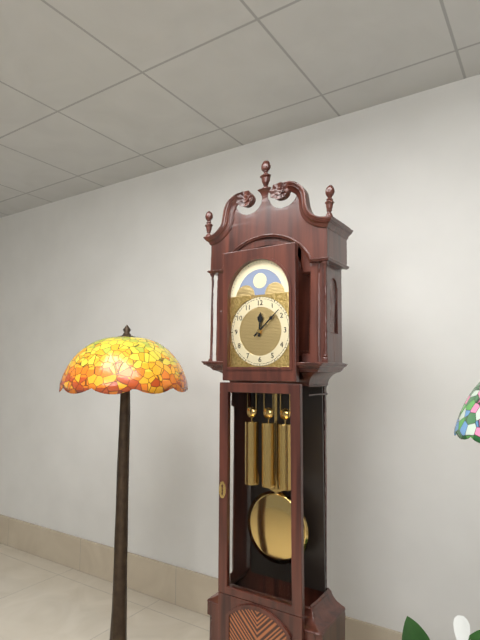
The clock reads **12:08**
